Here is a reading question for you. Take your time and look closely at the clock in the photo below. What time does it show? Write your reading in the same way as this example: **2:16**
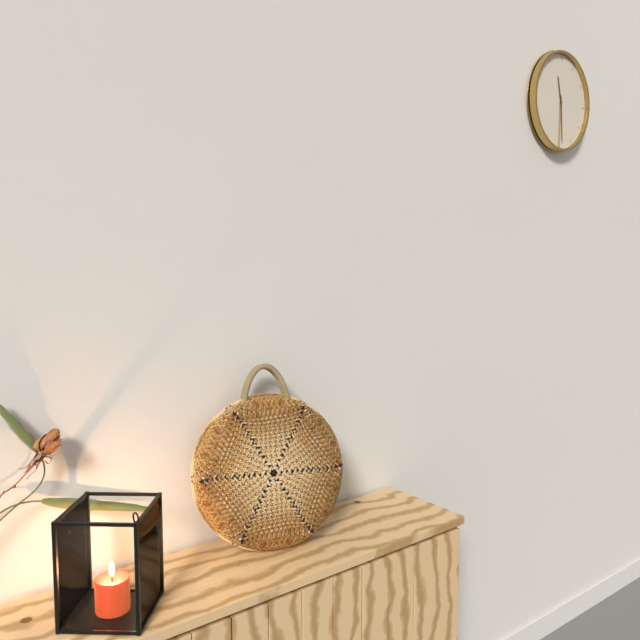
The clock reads **11:29**
